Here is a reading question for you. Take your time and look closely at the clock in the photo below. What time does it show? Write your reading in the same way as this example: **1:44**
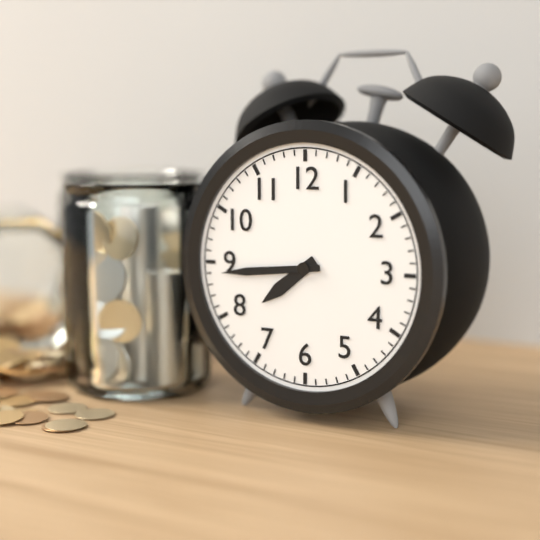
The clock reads **7:44**
